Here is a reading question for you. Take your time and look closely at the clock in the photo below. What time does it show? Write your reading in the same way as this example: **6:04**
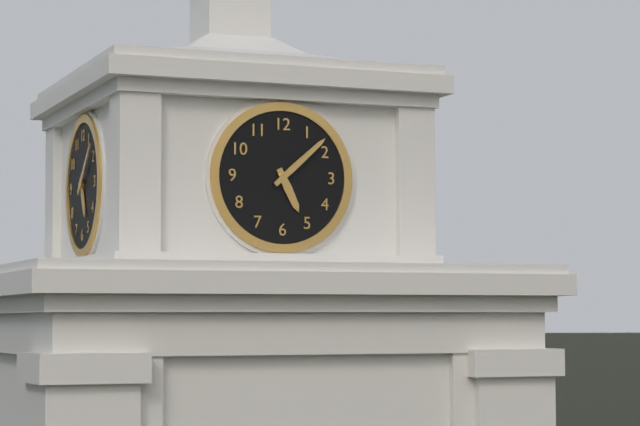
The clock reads **5:08**
